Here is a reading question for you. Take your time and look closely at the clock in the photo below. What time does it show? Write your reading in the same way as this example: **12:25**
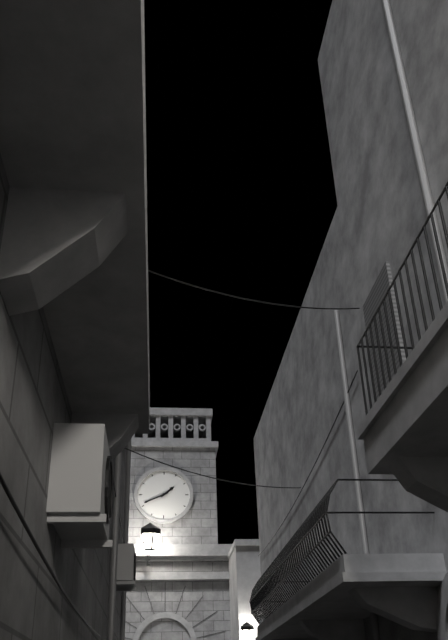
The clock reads **1:41**
